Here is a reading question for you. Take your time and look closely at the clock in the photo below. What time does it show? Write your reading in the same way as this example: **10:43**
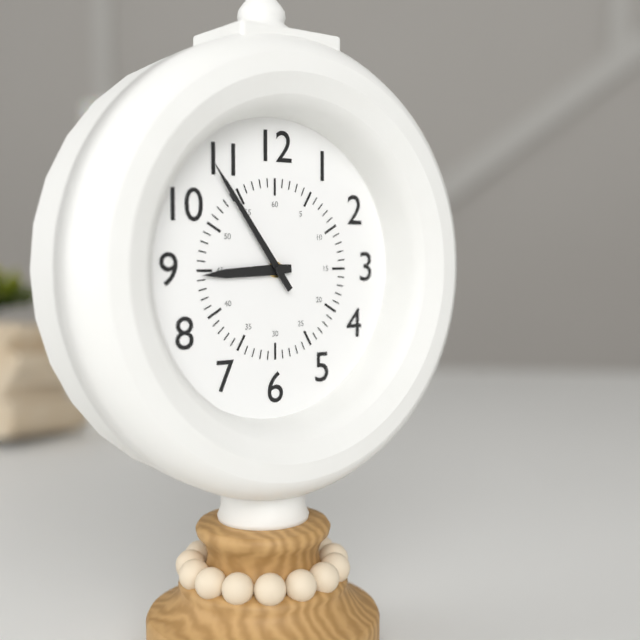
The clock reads **8:54**
